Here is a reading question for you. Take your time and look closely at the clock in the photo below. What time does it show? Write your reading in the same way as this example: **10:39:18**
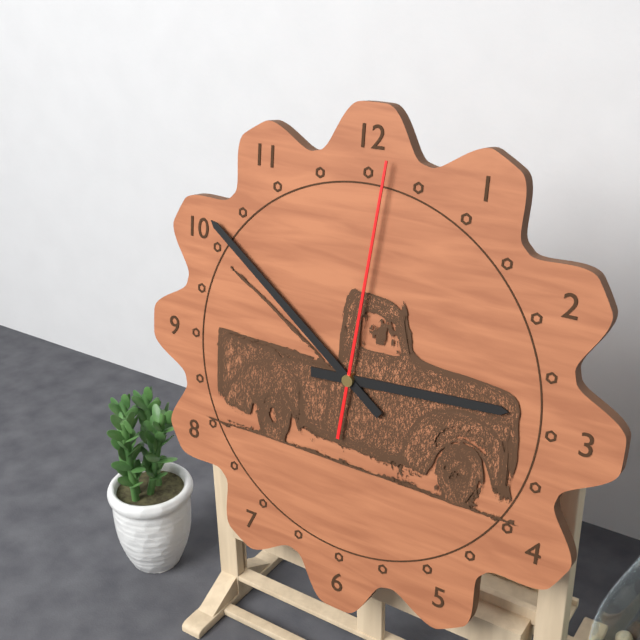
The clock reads **2:51:01**
